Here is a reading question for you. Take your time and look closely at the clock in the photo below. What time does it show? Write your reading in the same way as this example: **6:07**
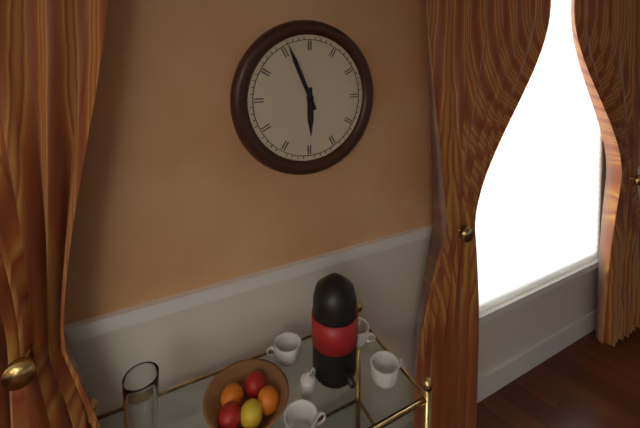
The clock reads **5:56**
